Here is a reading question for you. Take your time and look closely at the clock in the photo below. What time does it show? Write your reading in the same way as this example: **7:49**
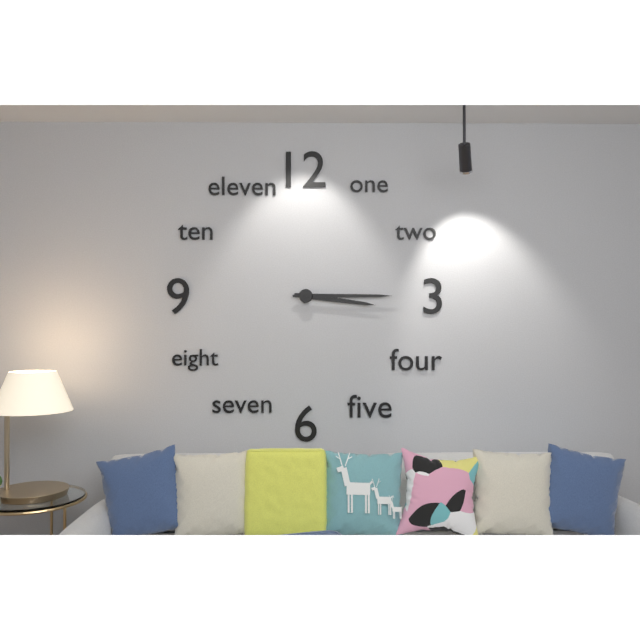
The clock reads **3:15**
